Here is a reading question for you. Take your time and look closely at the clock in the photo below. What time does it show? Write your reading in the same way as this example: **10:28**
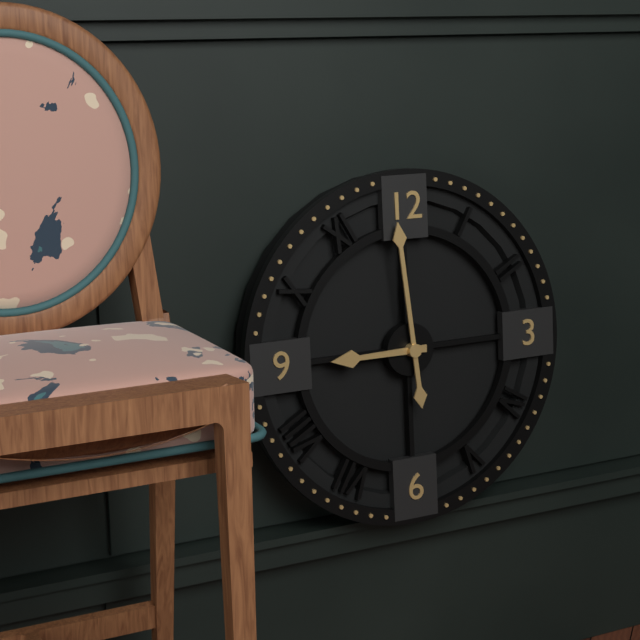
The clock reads **8:59**
